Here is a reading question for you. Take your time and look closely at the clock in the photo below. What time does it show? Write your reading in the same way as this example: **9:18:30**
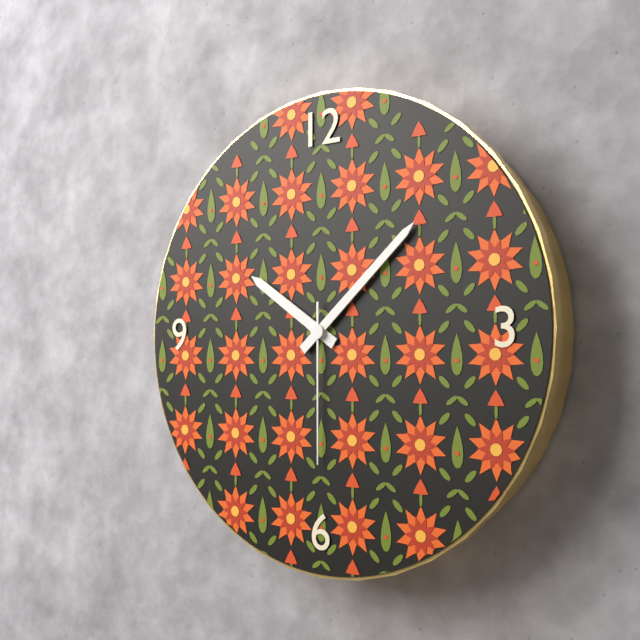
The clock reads **10:08:30**
